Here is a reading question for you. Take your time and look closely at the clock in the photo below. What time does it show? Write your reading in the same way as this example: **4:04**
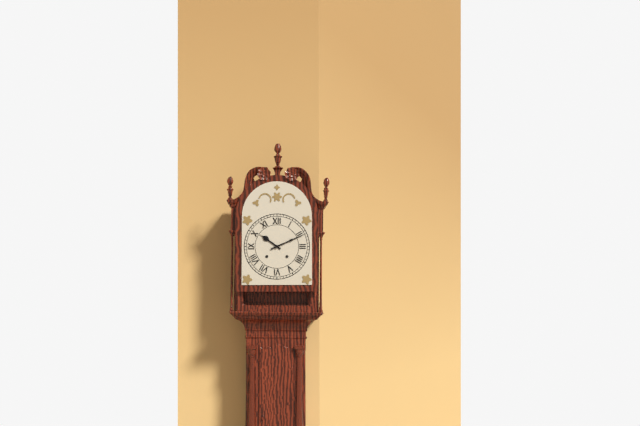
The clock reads **10:11**
